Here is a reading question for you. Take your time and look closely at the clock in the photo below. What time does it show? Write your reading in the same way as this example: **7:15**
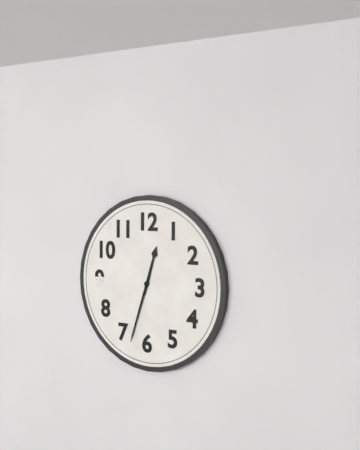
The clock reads **12:33**
